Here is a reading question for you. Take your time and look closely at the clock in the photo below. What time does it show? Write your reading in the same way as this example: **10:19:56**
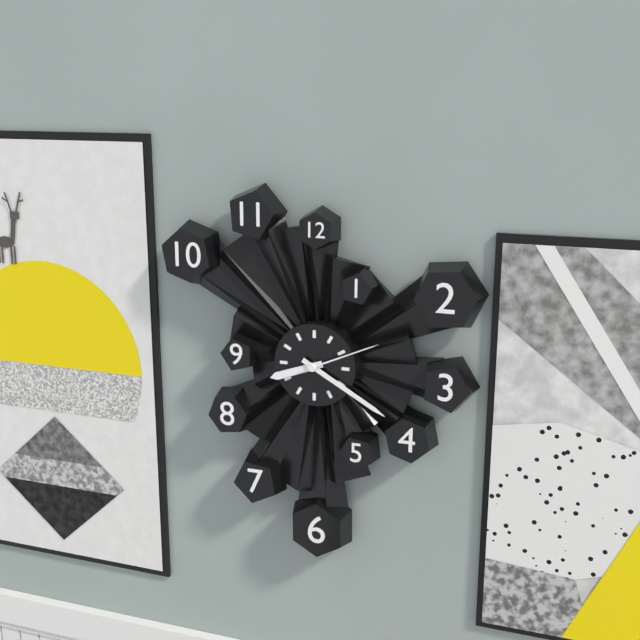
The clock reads **8:20:11**
